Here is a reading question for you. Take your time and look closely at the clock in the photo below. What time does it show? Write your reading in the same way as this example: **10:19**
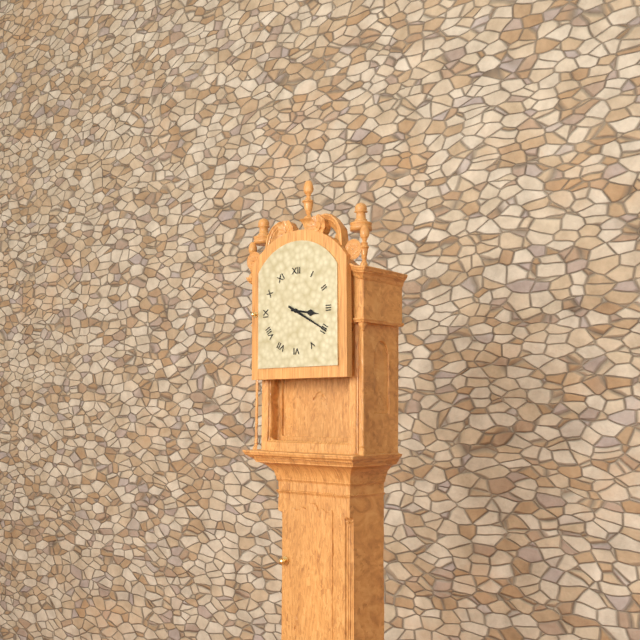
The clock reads **3:20**
